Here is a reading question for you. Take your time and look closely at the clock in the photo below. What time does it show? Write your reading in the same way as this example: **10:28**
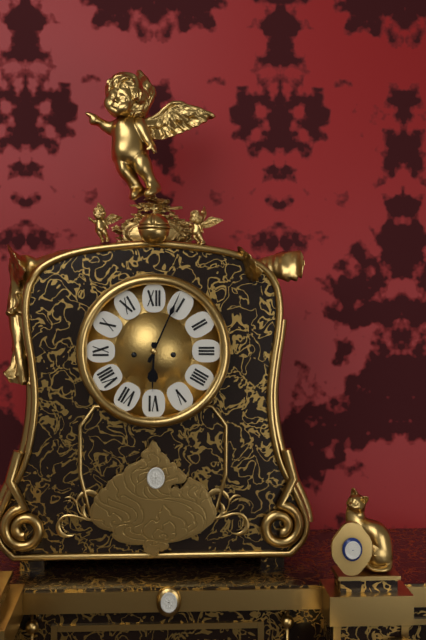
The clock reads **6:04**
